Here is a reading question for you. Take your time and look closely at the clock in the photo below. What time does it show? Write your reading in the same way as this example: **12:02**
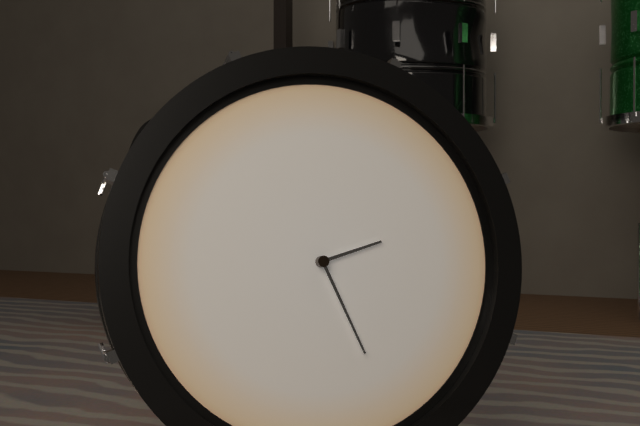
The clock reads **2:26**
